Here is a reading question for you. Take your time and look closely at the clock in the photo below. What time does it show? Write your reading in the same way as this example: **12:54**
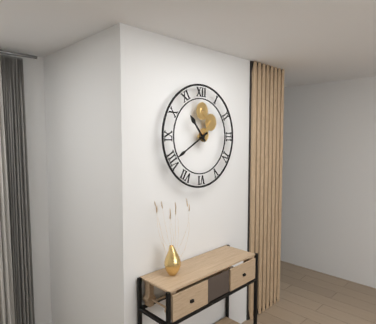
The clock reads **10:40**
